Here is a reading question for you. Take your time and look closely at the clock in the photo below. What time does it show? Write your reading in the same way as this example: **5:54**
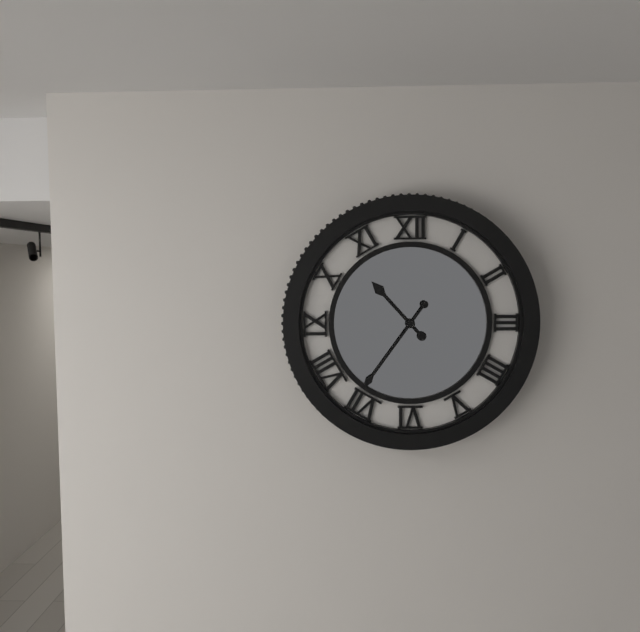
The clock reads **10:36**
